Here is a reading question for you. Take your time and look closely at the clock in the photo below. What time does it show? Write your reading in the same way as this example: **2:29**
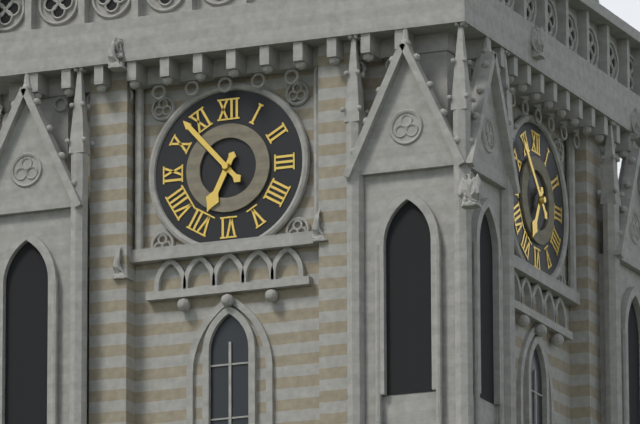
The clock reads **6:53**
